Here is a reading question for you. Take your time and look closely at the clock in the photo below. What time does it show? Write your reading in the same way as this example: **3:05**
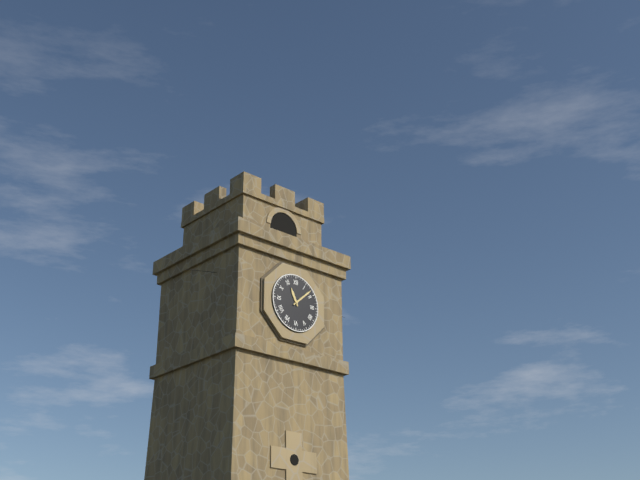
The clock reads **11:08**
